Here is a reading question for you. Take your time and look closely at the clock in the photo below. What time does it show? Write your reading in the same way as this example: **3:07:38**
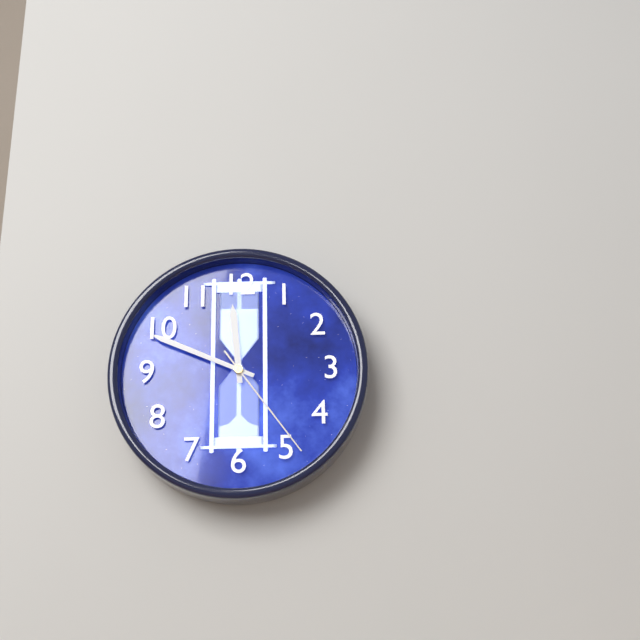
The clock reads **11:49:24**
